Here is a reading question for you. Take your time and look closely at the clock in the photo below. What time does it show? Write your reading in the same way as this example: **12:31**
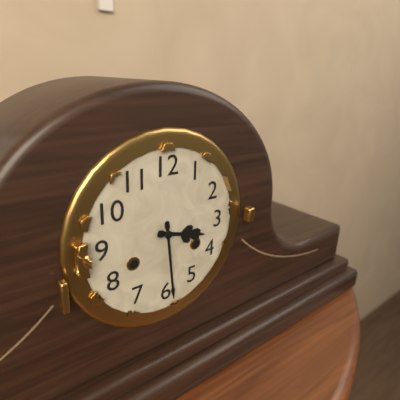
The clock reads **3:29**
